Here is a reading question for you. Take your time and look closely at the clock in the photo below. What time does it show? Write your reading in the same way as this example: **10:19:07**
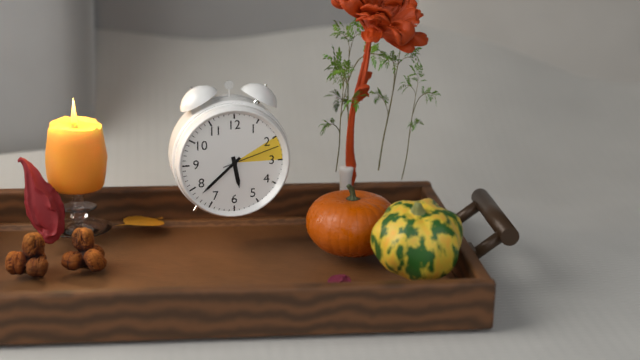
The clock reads **5:38:12**
